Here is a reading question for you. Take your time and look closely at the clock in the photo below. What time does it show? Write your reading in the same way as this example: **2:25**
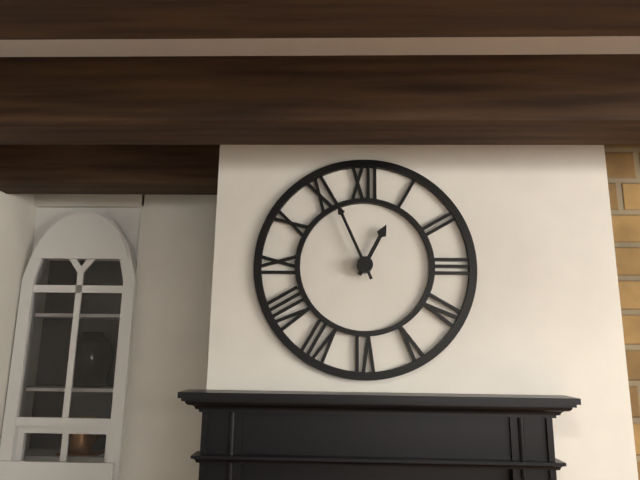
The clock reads **12:56**
